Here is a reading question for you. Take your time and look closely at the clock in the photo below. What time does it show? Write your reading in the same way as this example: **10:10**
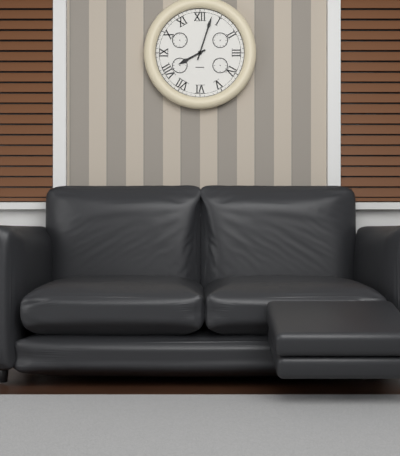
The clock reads **8:03**
